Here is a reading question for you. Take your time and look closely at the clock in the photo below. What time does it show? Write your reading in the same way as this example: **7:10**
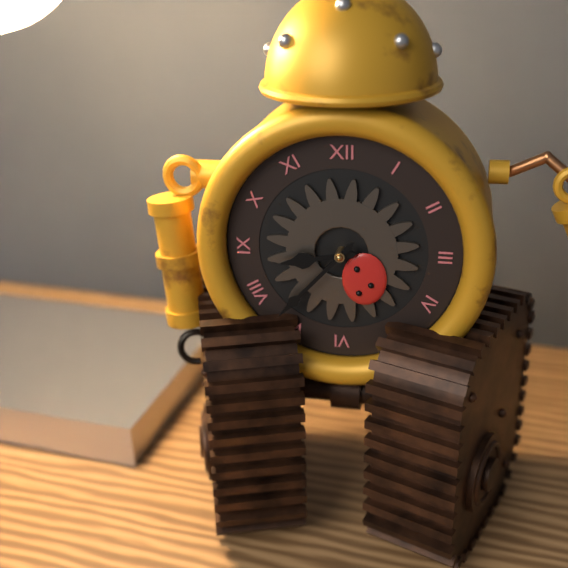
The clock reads **8:37**
